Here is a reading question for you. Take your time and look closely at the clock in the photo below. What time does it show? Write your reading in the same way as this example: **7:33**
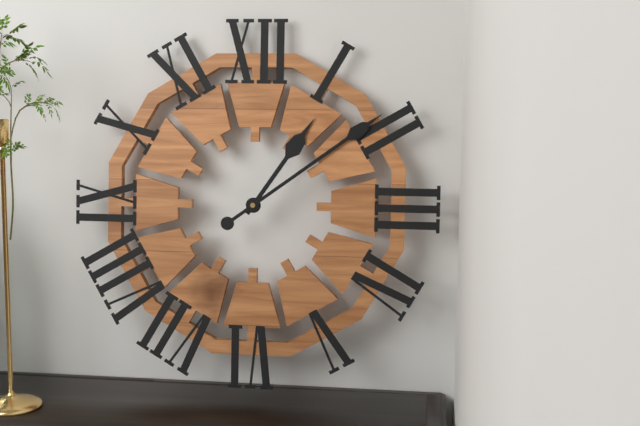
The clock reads **1:09**
